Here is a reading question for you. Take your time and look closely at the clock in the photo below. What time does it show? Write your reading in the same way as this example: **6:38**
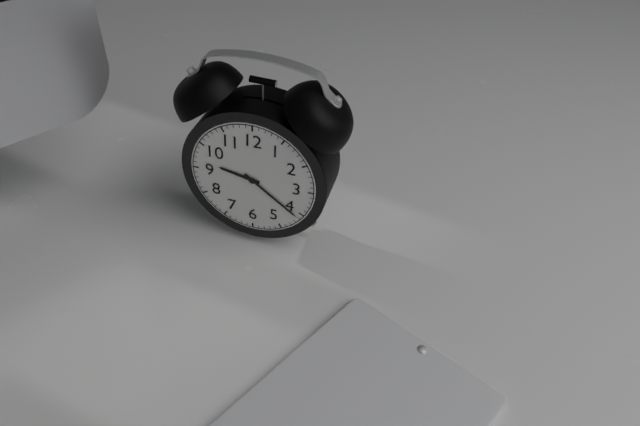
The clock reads **9:21**
